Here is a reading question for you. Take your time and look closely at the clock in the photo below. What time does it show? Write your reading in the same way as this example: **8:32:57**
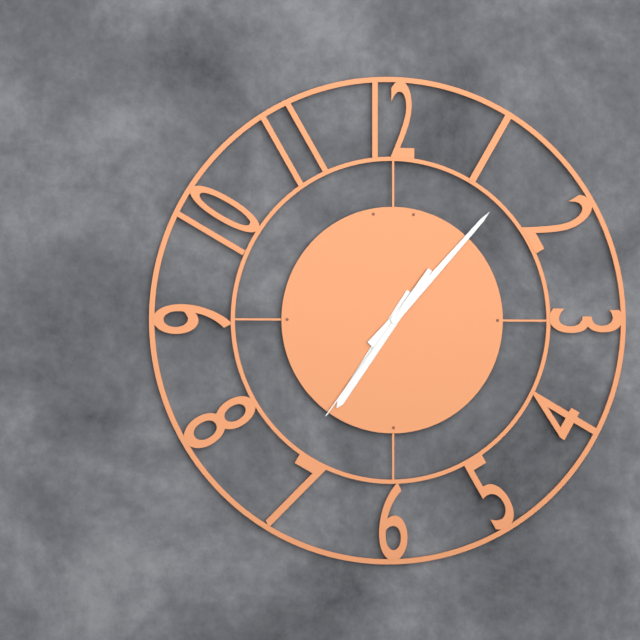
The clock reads **7:07:36**
